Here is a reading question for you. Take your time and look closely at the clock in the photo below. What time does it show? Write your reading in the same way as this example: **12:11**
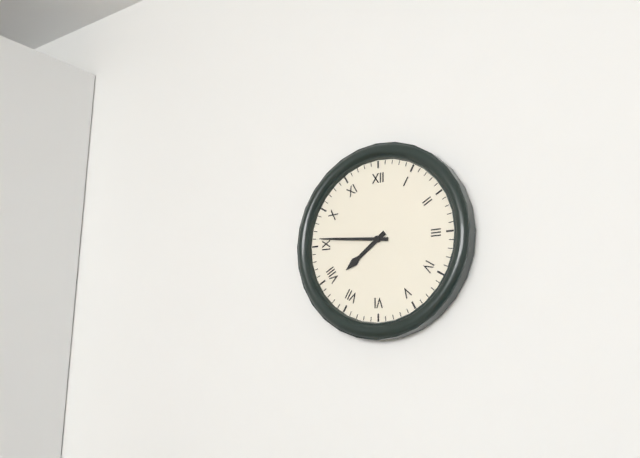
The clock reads **7:46**
